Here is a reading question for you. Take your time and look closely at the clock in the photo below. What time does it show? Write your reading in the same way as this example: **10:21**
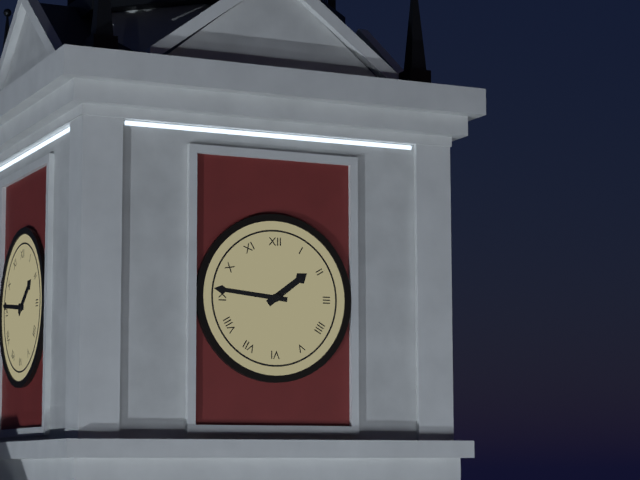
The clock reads **1:46**
